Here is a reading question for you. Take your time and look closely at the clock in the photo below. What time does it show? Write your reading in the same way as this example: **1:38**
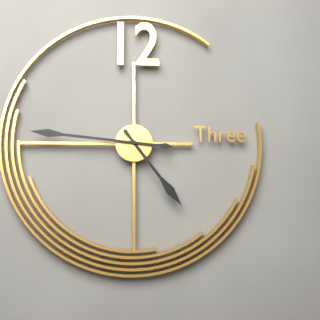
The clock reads **4:46**
